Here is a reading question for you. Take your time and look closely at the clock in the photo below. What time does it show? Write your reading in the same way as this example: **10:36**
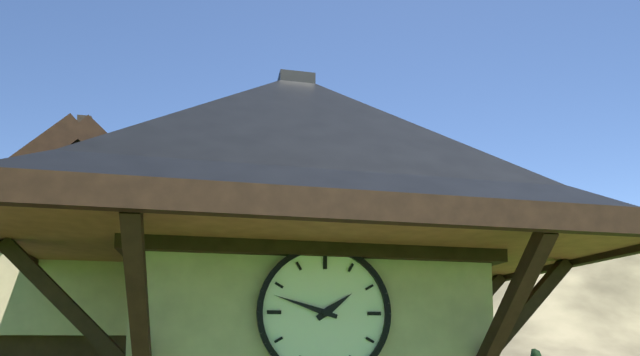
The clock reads **1:48**
